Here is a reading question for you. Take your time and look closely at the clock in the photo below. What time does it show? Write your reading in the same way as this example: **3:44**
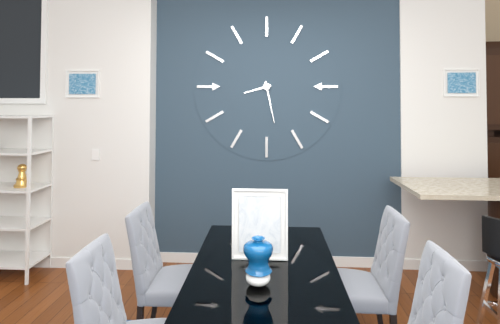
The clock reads **8:28**
